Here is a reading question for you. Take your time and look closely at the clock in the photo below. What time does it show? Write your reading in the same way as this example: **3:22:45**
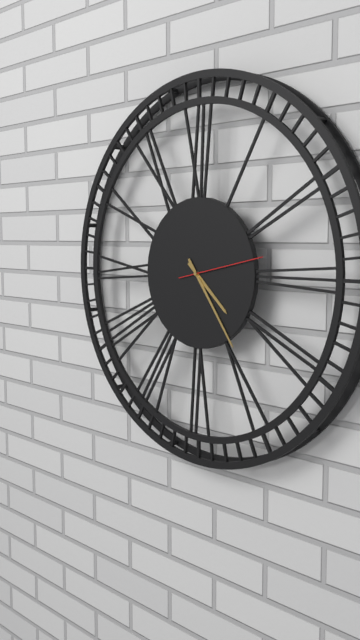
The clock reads **4:24:13**
